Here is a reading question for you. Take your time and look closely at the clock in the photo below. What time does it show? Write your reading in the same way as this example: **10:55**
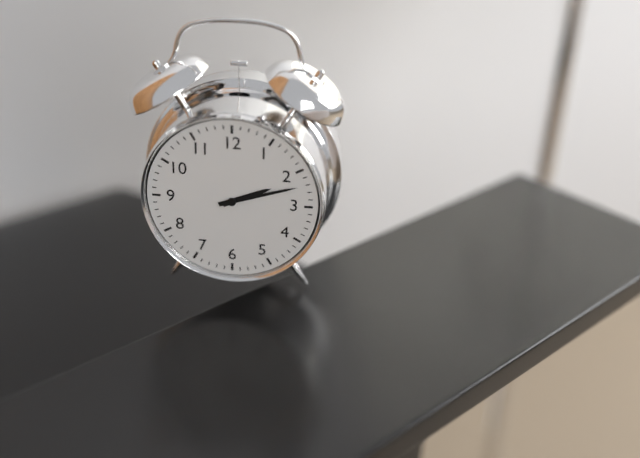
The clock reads **2:12**
